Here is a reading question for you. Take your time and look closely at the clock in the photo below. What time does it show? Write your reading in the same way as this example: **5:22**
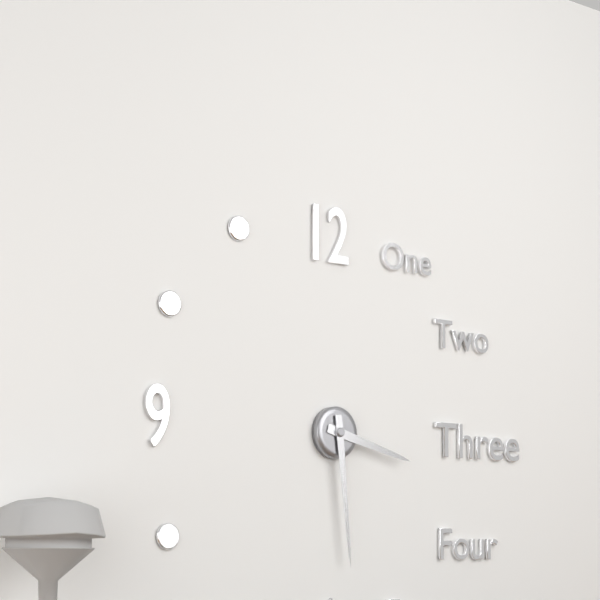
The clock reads **3:29**
